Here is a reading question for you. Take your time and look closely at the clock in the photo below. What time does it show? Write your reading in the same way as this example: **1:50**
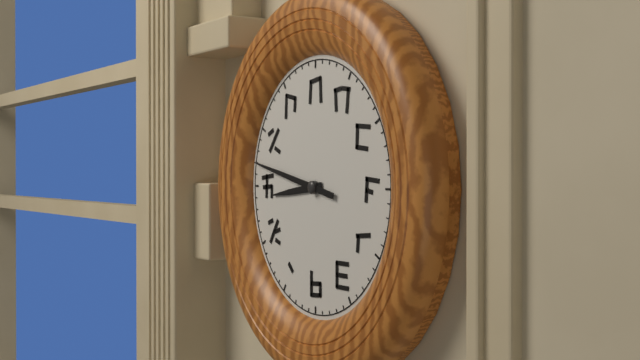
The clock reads **8:47**
